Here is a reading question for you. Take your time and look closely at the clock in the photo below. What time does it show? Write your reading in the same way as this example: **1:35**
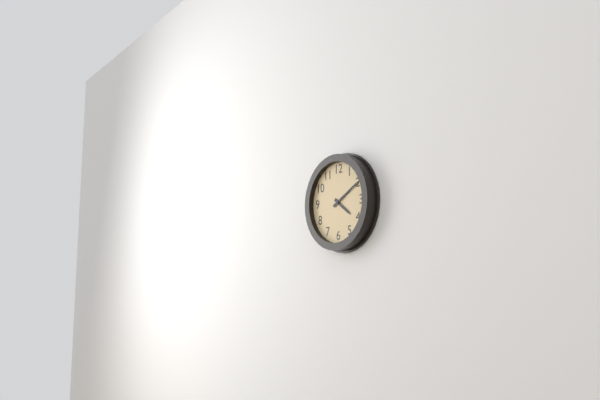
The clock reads **4:10**
